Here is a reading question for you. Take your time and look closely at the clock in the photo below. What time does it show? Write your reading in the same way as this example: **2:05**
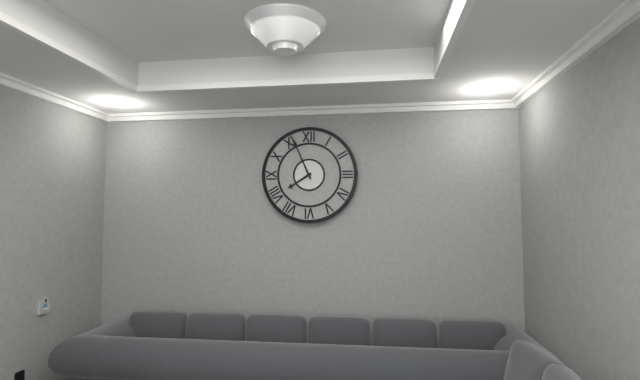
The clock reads **7:56**
